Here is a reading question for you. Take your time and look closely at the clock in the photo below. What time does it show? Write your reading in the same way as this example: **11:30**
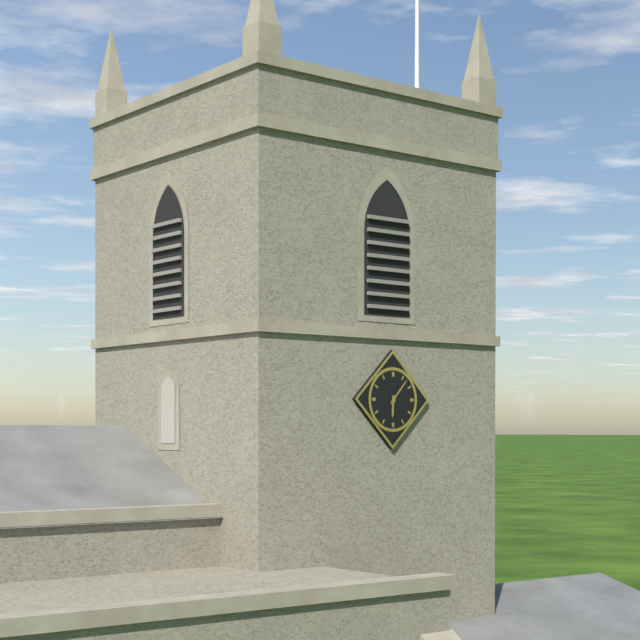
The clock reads **6:07**
